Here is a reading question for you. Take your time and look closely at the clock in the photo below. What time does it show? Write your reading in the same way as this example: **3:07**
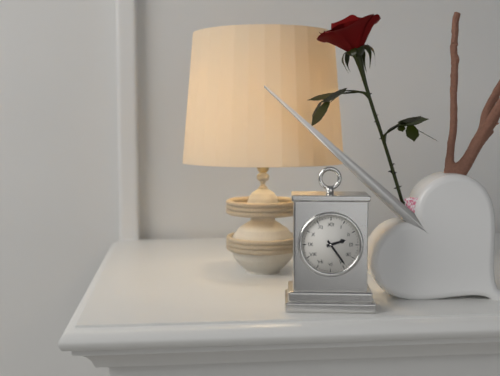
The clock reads **2:24**
